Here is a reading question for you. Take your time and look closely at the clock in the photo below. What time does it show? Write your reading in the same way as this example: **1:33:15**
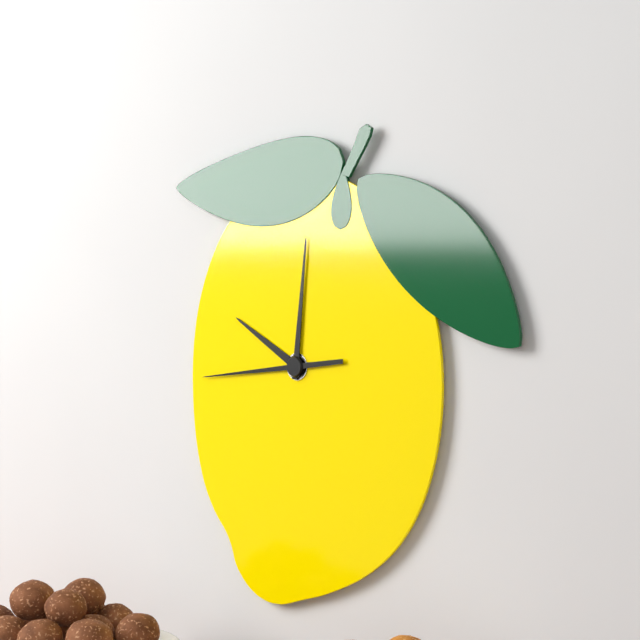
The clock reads **10:01:44**
